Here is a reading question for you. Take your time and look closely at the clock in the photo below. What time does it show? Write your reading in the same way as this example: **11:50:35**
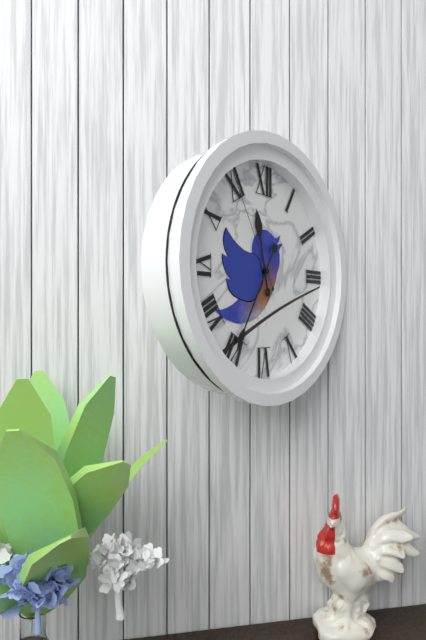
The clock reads **11:35:55**
